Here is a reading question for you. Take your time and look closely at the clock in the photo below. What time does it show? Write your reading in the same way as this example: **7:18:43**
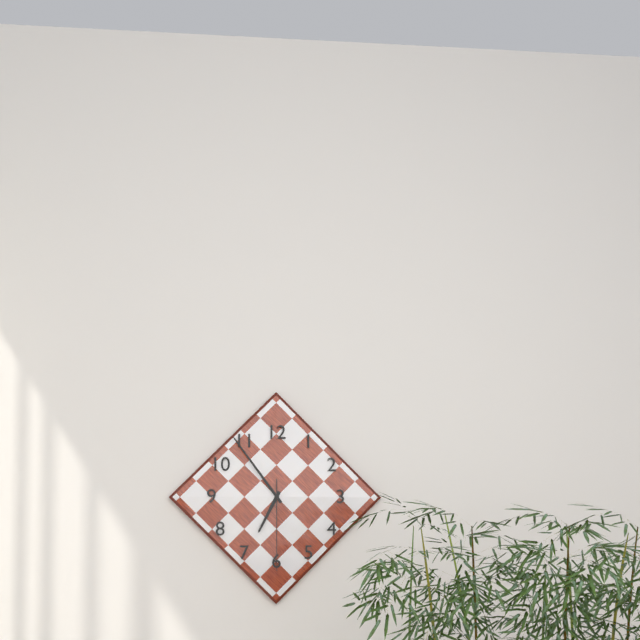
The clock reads **6:54:30**
